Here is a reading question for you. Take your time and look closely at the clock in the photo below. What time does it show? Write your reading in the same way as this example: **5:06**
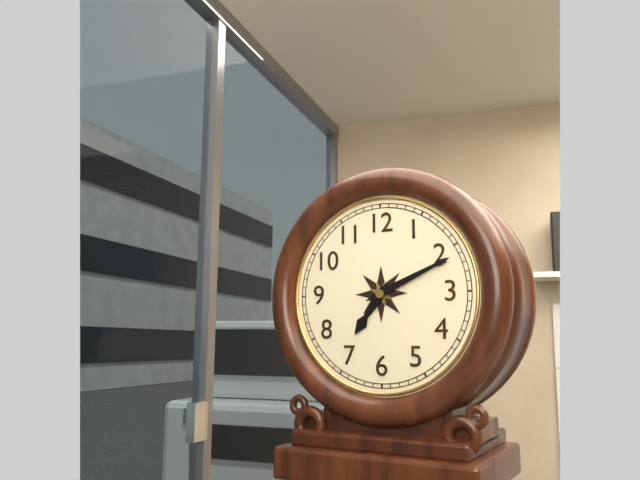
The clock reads **7:11**
